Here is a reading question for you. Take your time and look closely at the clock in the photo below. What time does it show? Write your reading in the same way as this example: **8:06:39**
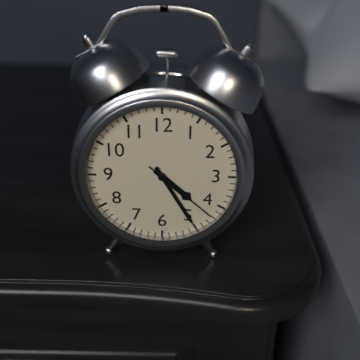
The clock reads **4:25:22**
